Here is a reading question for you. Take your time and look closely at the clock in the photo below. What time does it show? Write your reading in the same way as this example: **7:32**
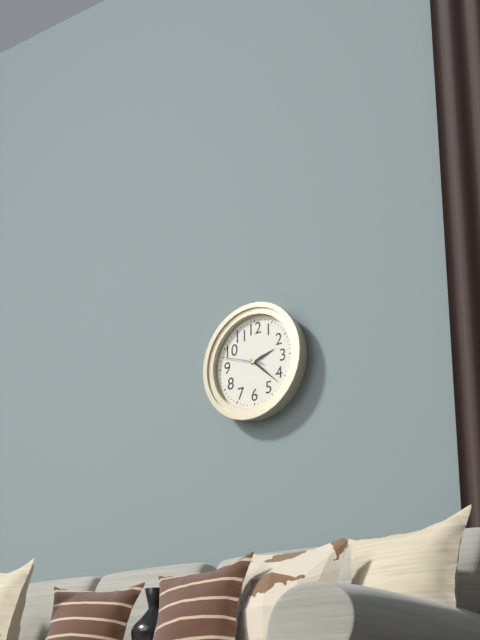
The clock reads **2:22**
